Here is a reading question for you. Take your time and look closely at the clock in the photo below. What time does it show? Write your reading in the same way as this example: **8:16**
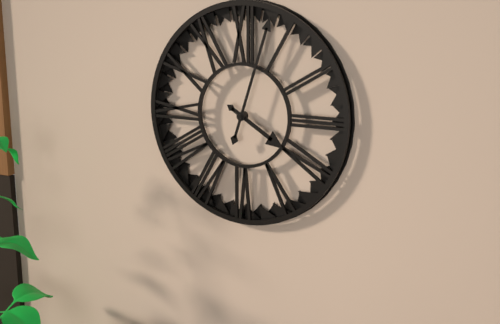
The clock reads **4:03**
